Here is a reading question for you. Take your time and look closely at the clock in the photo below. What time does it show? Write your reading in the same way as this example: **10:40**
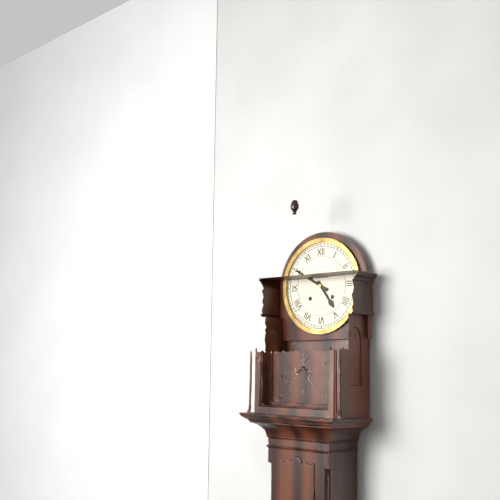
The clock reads **4:50**
